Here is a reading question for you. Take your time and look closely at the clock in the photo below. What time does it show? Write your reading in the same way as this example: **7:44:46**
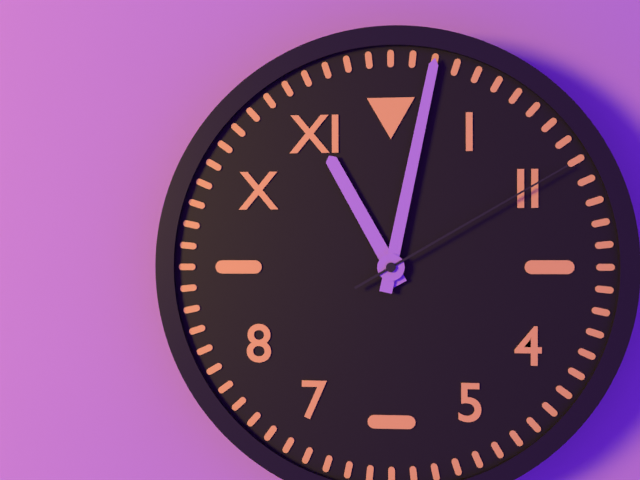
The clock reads **11:02:10**
